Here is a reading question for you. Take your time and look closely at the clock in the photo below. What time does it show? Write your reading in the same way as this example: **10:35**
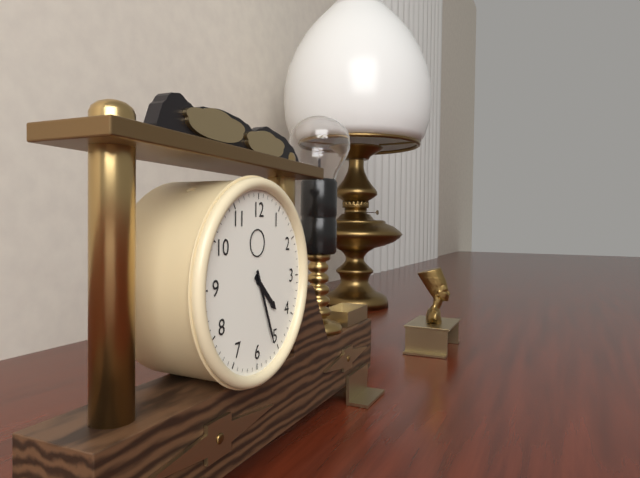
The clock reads **4:26**
